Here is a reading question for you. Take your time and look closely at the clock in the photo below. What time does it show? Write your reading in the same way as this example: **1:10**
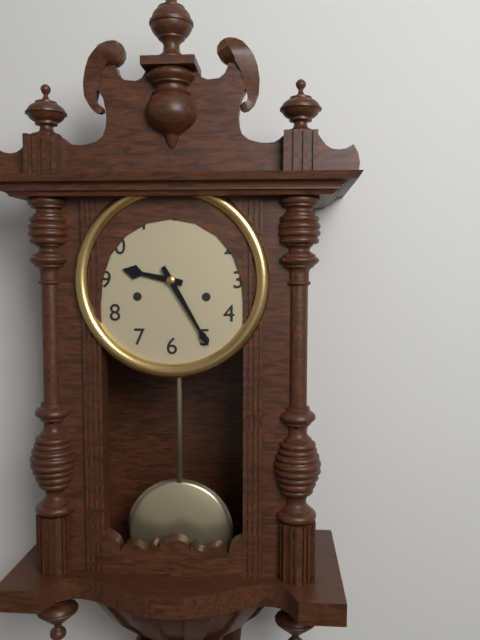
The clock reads **9:25**
